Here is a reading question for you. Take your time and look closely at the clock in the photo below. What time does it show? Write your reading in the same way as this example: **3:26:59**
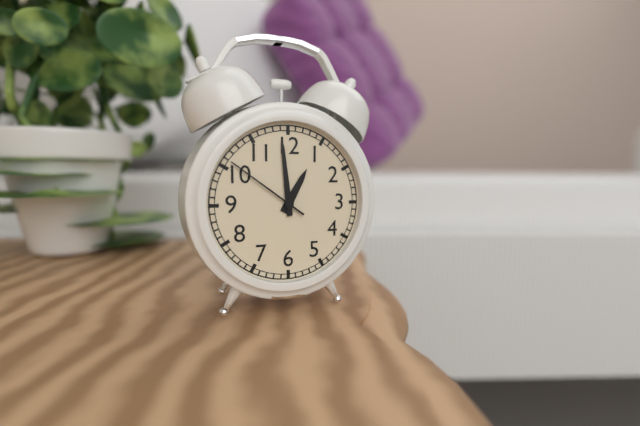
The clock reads **12:59:51**
